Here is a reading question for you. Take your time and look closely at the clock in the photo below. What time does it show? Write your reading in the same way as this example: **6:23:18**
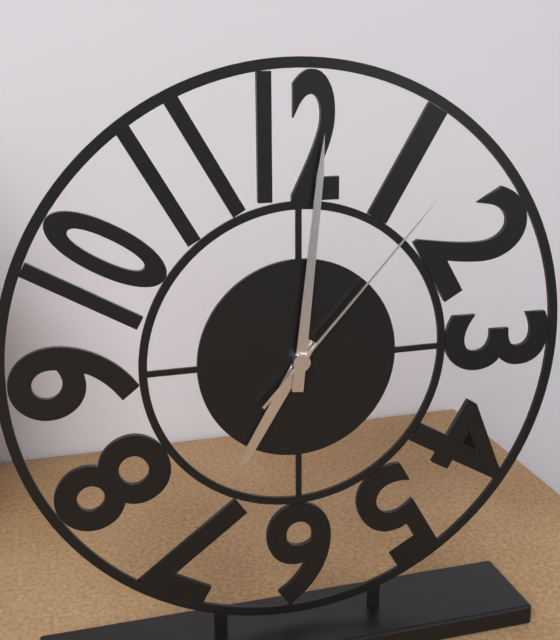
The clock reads **7:01:07**
